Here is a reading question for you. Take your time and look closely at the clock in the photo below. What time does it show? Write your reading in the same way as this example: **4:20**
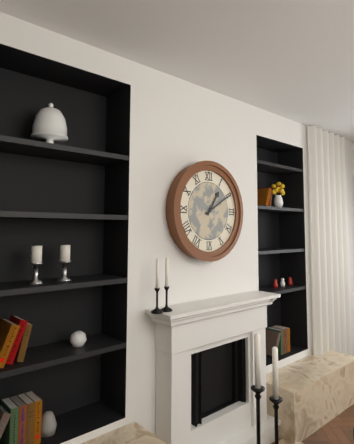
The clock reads **1:10**
